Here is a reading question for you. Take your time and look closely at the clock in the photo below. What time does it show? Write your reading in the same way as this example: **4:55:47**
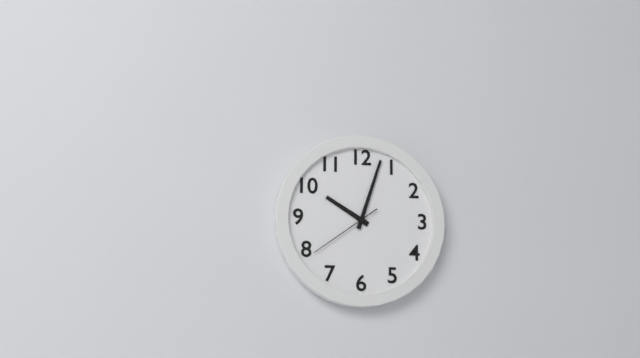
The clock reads **10:03:39**
